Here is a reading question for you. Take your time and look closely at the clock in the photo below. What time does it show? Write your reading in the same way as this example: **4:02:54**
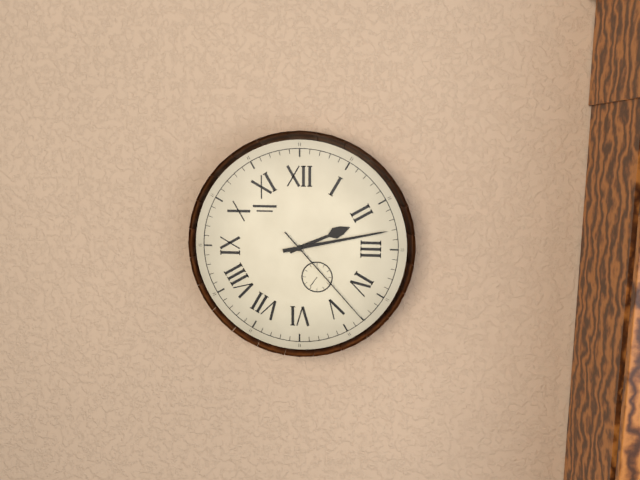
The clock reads **2:13:23**
